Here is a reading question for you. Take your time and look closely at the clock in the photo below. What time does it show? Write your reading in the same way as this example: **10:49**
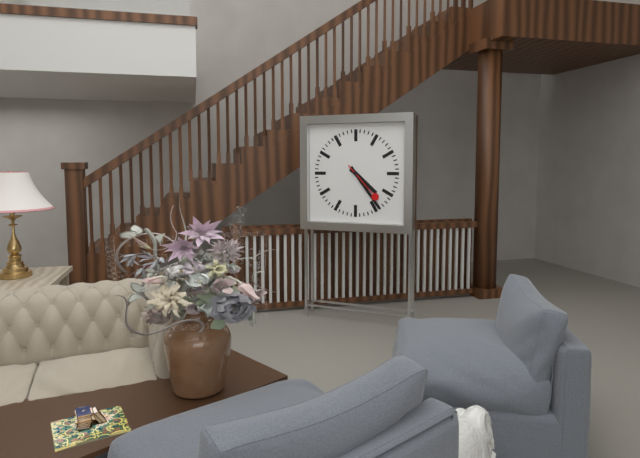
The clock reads **4:24**
